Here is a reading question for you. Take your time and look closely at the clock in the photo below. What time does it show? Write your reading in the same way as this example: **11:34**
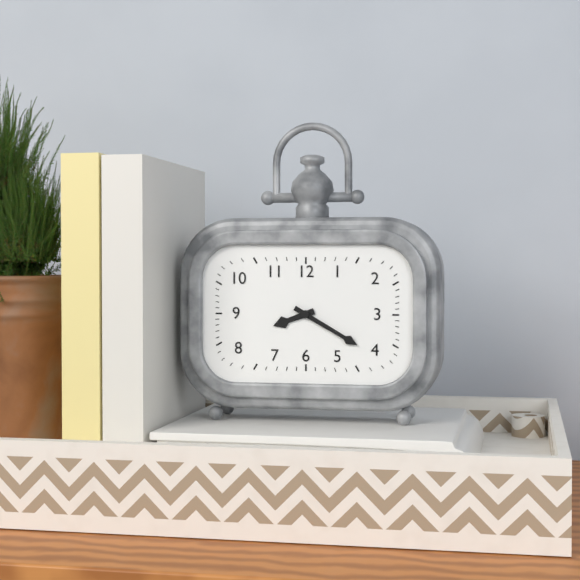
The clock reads **8:20**
